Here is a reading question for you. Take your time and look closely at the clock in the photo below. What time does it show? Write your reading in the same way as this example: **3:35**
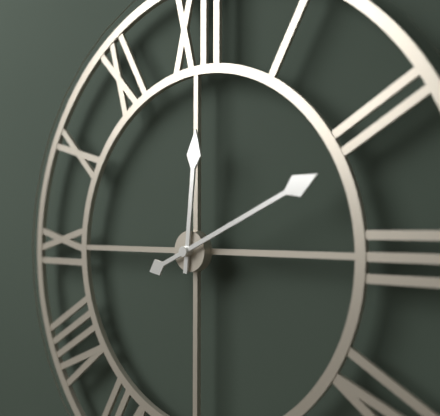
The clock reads **12:11**
